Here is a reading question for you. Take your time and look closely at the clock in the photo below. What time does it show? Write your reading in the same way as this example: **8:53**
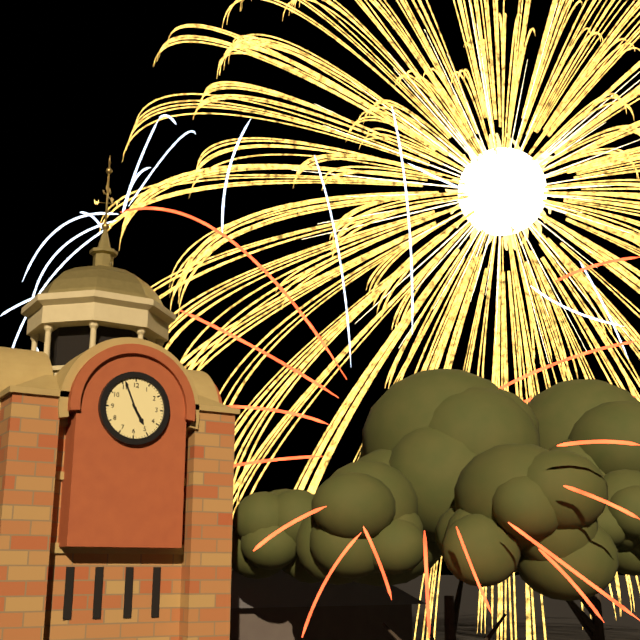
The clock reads **4:56**
